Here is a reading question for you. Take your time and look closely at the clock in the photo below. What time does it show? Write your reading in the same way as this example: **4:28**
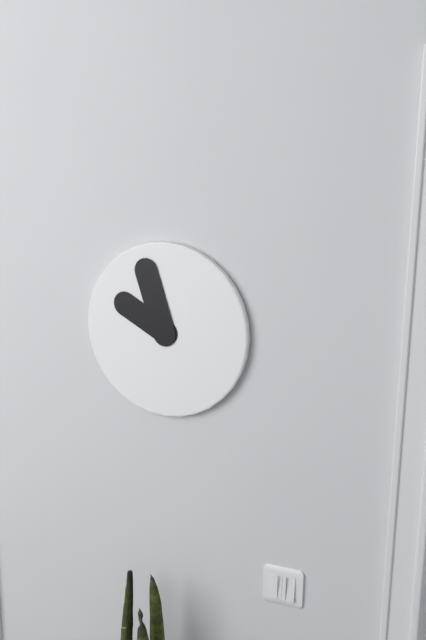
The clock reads **9:57**
